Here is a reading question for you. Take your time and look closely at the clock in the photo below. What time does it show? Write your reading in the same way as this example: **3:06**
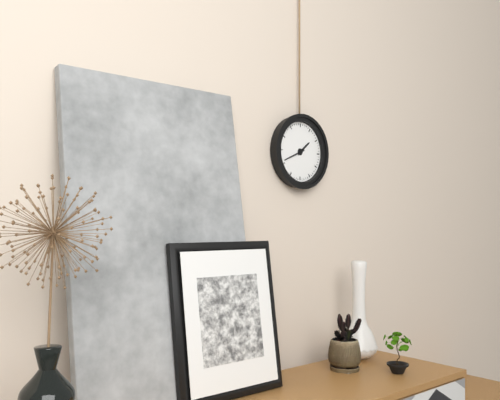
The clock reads **1:41**
